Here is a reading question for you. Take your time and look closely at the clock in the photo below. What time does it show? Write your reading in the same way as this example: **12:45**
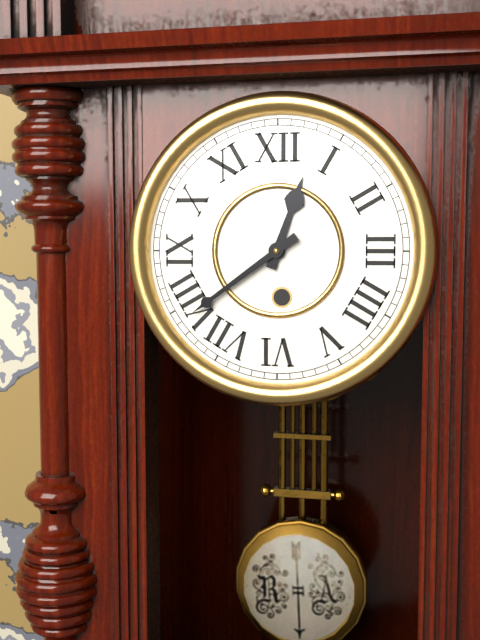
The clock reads **12:39**
